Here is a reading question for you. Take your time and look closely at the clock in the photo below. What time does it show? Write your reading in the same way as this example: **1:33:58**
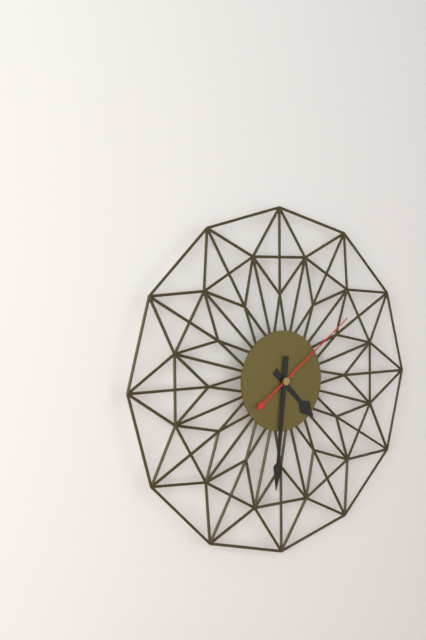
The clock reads **4:31:09**
